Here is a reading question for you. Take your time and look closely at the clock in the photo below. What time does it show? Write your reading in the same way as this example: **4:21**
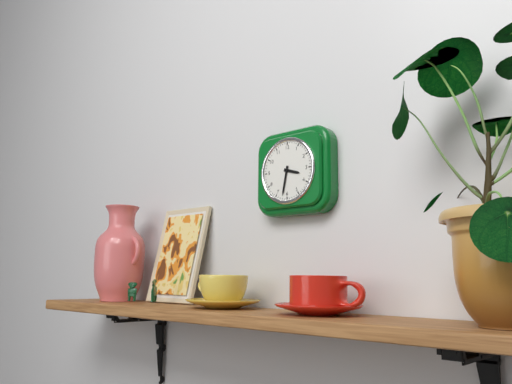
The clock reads **3:32**
